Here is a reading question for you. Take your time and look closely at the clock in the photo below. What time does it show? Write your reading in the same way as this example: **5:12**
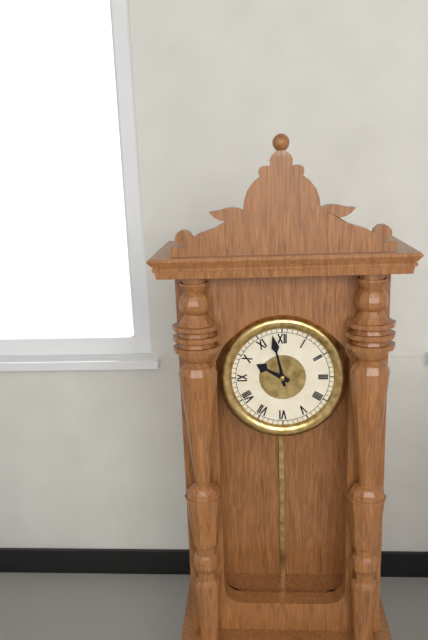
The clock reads **9:58**
